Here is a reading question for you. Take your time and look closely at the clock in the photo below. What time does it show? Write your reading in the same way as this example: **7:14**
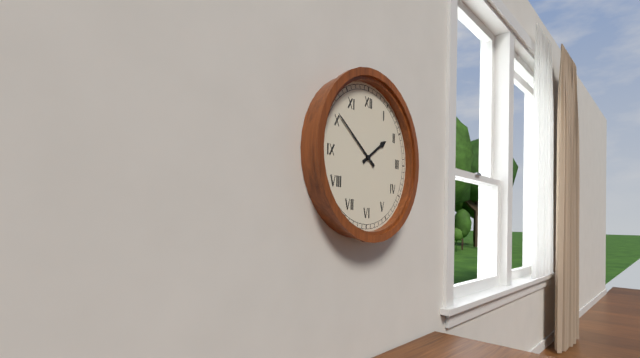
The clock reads **1:51**
